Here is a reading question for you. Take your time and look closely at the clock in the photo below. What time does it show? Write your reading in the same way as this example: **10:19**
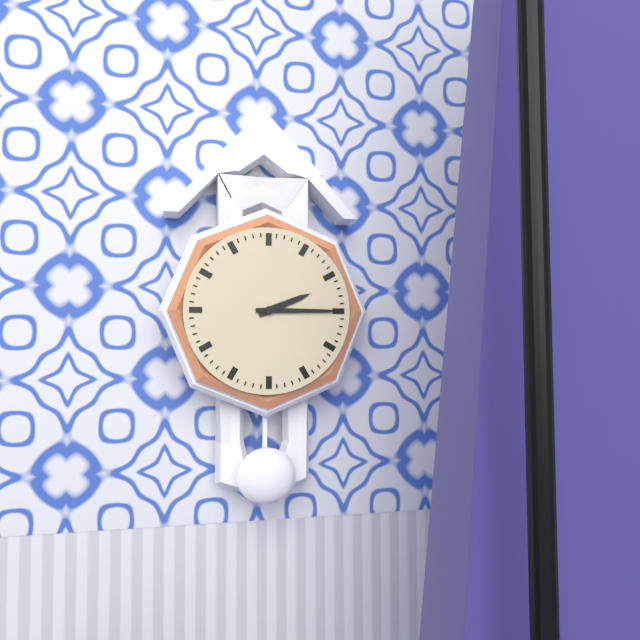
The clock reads **2:15**
